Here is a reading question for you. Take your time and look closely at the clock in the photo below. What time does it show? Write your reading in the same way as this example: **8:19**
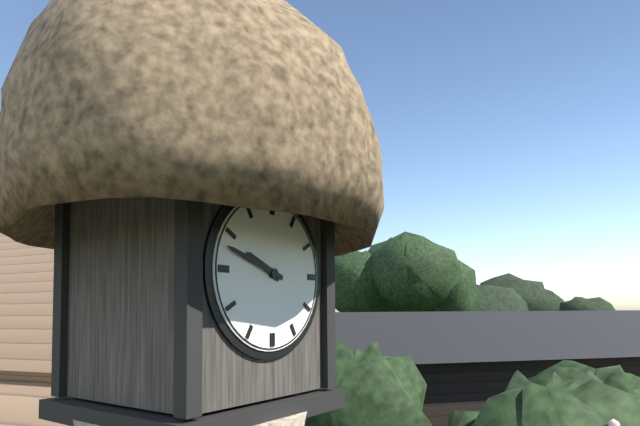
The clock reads **9:48**
